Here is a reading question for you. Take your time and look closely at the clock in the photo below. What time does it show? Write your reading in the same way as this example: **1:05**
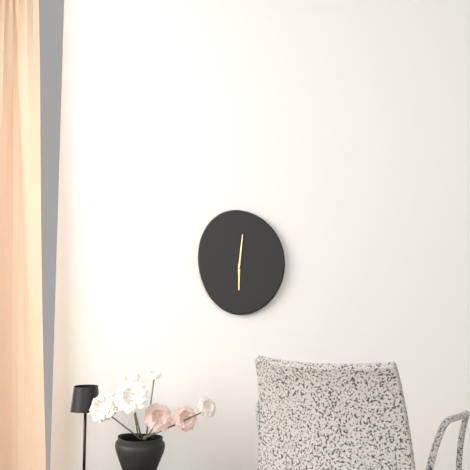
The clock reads **6:01**
